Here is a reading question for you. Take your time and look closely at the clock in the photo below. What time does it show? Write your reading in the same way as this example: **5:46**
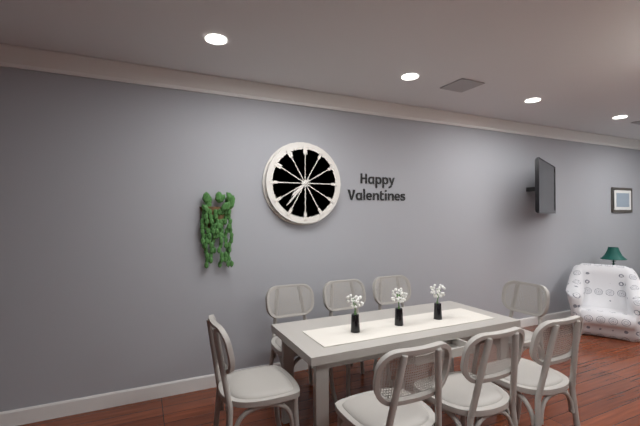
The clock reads **7:37**
